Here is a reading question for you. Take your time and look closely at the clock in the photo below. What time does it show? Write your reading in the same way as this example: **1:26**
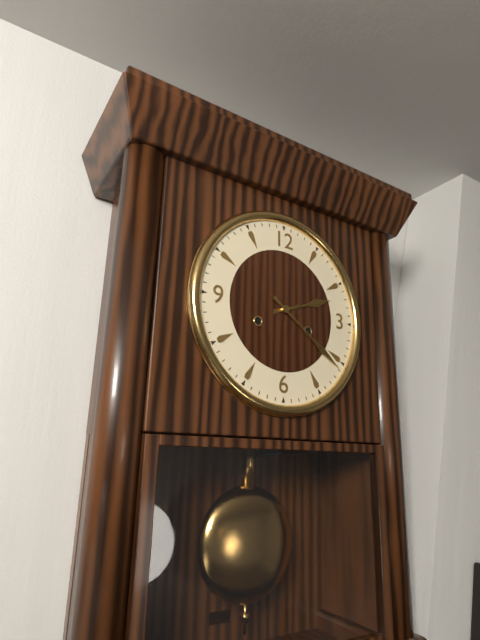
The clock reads **2:21**
